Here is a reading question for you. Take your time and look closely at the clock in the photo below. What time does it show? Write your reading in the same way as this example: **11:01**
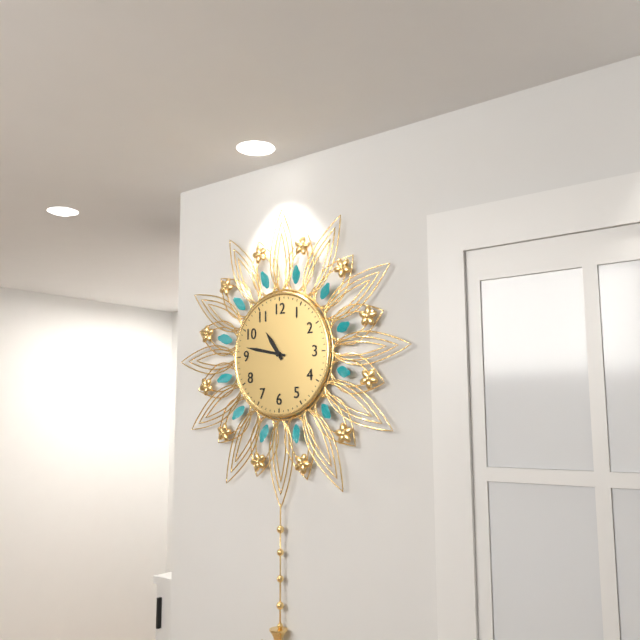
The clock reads **10:47**
